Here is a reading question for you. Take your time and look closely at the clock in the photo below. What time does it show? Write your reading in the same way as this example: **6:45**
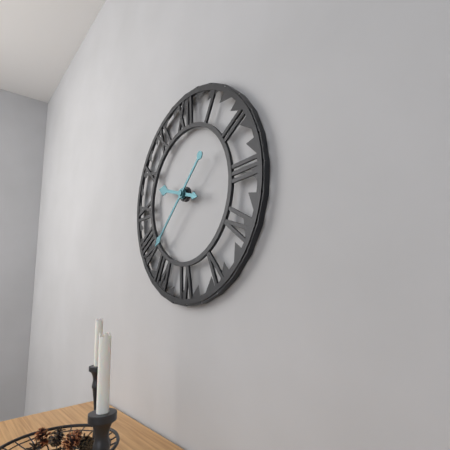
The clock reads **9:38**
